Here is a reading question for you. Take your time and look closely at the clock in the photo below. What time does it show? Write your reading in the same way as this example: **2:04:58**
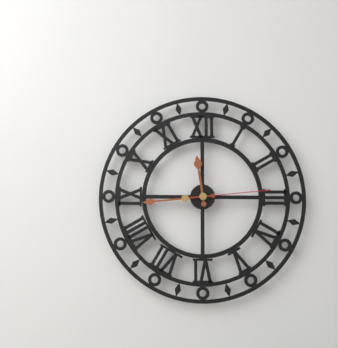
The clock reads **11:44:14**
